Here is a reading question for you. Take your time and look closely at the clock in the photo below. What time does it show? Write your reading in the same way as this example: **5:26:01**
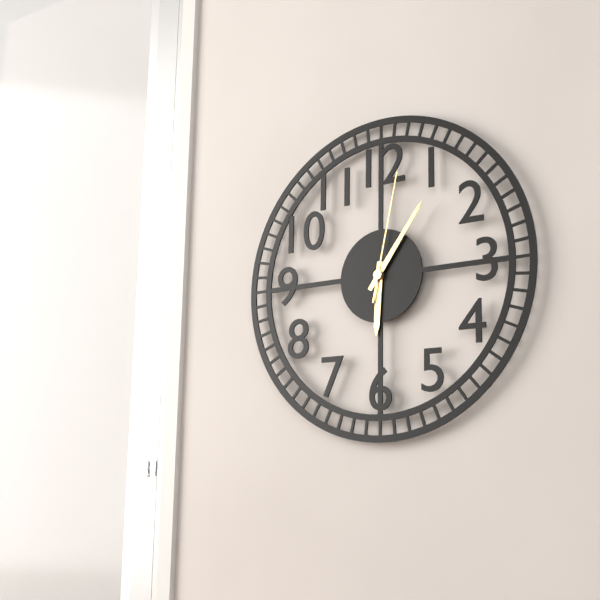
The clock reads **6:06:02**
